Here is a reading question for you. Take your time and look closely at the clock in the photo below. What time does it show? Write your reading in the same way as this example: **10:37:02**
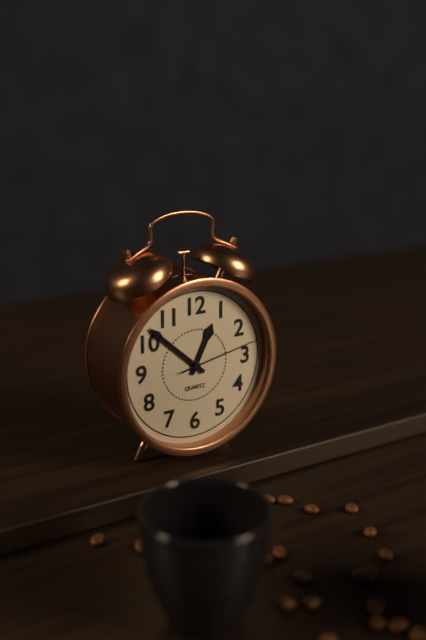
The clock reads **12:52:13**
